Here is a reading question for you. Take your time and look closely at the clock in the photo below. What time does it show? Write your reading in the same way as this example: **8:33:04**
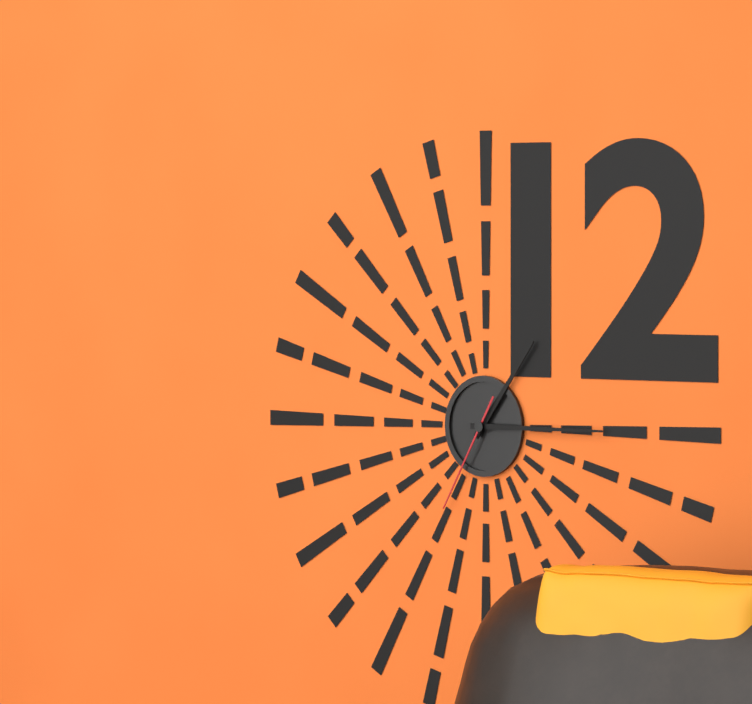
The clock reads **1:15:35**
